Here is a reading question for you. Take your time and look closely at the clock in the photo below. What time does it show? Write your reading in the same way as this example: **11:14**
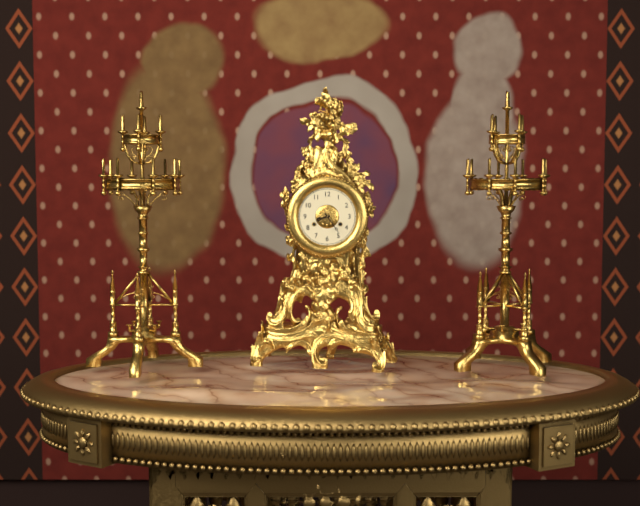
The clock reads **8:24**
